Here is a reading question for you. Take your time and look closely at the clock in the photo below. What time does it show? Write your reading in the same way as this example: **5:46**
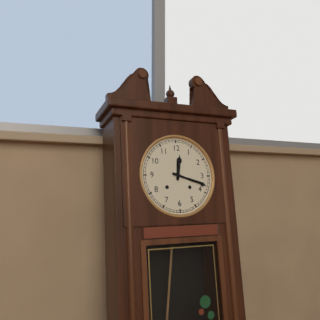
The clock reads **12:18**
